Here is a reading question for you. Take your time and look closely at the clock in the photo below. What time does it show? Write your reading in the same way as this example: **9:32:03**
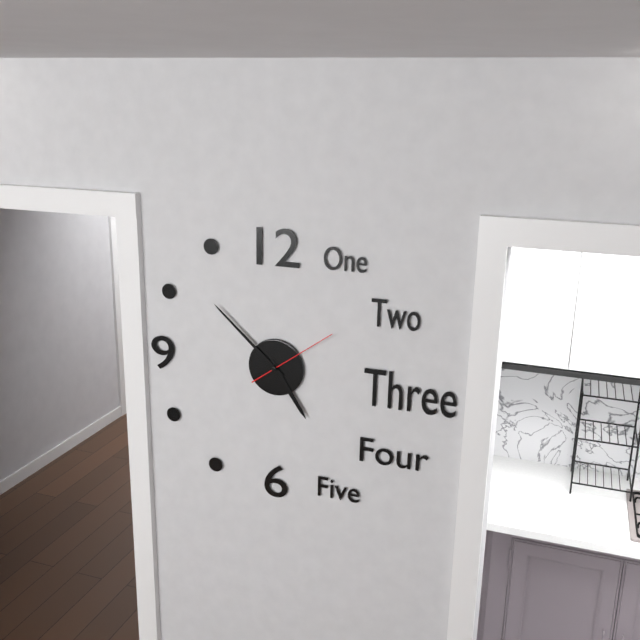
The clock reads **4:52:09**
